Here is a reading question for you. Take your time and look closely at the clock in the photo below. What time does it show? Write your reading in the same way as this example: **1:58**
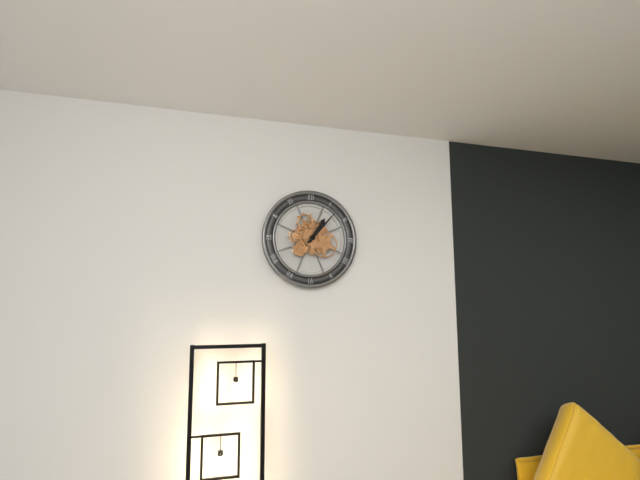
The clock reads **1:07**
